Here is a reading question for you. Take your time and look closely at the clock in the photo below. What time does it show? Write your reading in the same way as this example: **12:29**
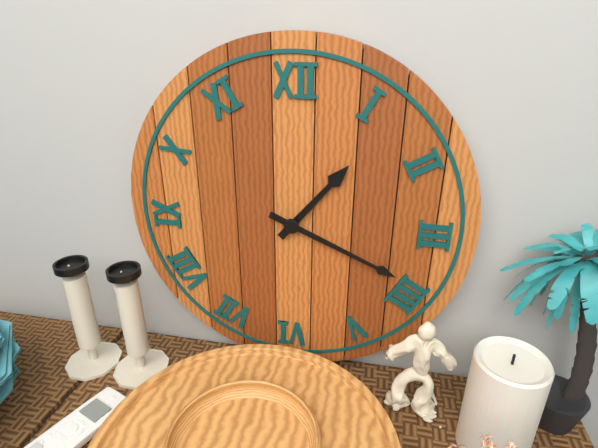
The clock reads **1:19**
